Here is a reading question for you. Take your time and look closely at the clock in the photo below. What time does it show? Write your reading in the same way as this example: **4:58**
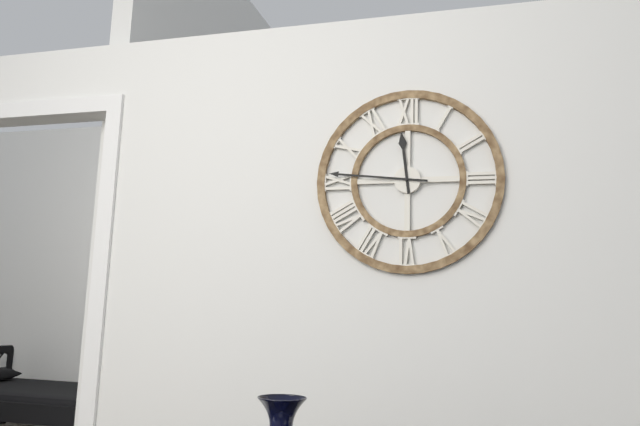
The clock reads **11:46**
